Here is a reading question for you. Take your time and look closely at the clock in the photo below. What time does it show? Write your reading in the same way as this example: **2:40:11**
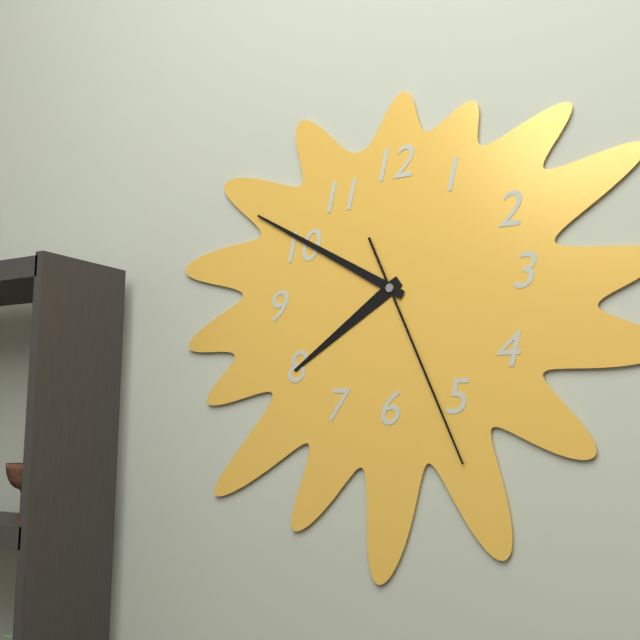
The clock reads **7:50:26**
